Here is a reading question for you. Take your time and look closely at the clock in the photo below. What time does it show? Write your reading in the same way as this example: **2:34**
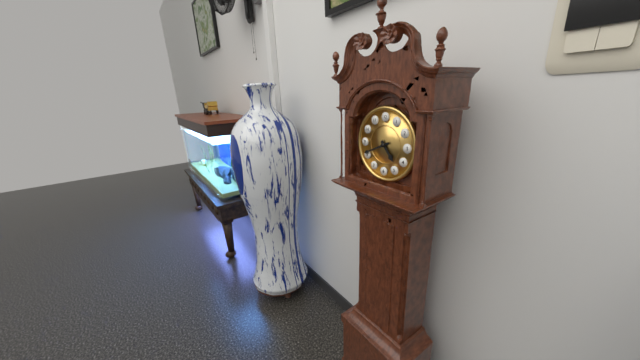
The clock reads **4:41**
